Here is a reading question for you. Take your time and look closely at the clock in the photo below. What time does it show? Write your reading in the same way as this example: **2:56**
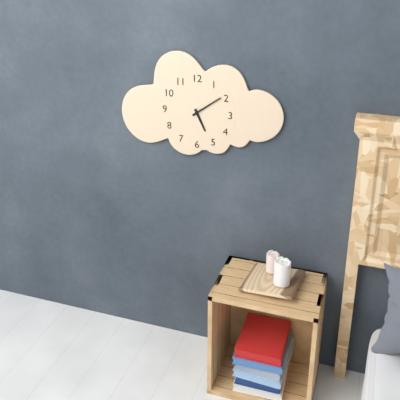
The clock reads **5:09**
